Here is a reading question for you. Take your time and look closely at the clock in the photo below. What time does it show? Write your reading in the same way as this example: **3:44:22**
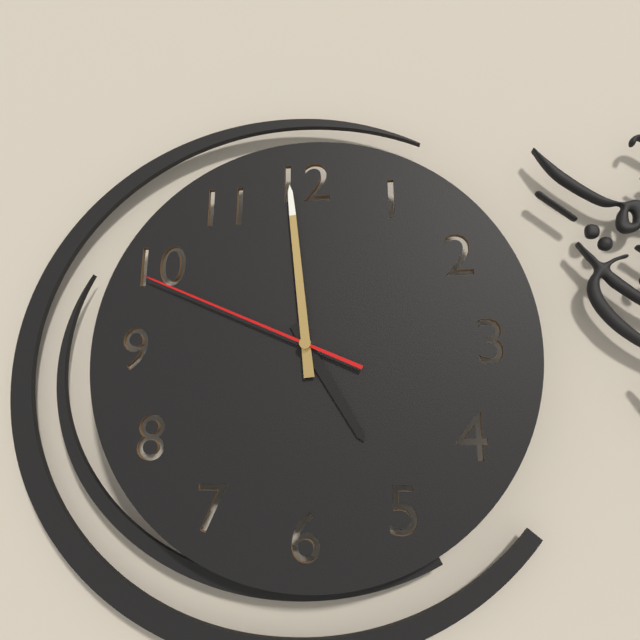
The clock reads **4:59:49**
